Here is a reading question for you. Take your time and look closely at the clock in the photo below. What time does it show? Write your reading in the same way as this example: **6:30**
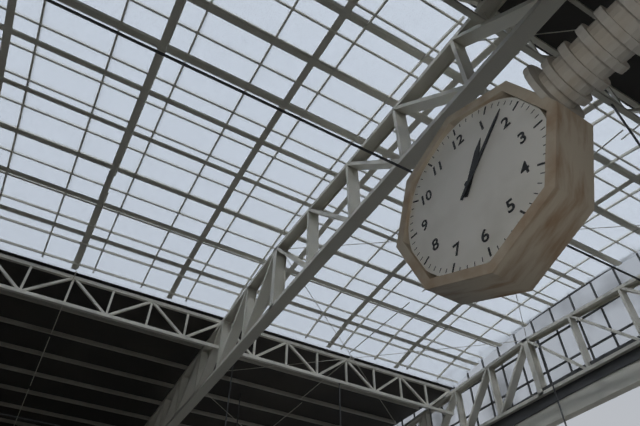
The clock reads **1:08**
